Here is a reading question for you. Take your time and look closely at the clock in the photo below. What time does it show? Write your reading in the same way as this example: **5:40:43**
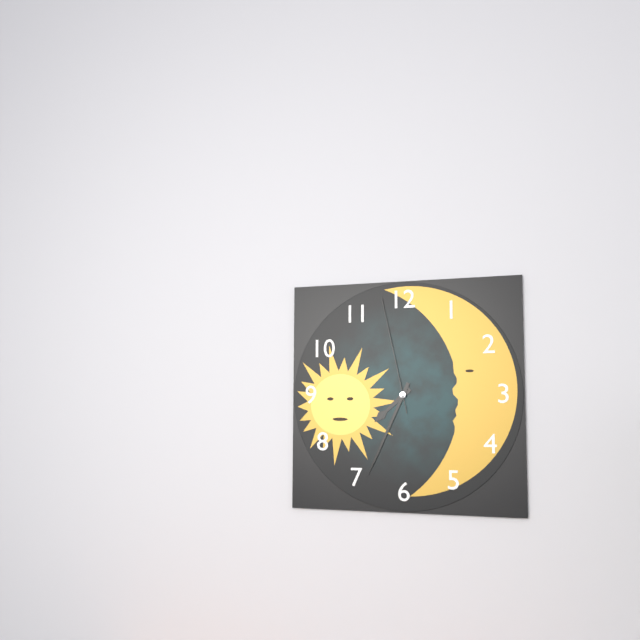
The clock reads **7:34:58**
